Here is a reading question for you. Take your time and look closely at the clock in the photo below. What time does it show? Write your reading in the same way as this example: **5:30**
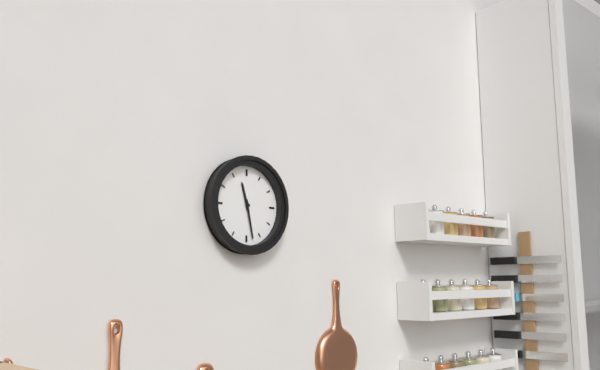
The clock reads **11:28**
